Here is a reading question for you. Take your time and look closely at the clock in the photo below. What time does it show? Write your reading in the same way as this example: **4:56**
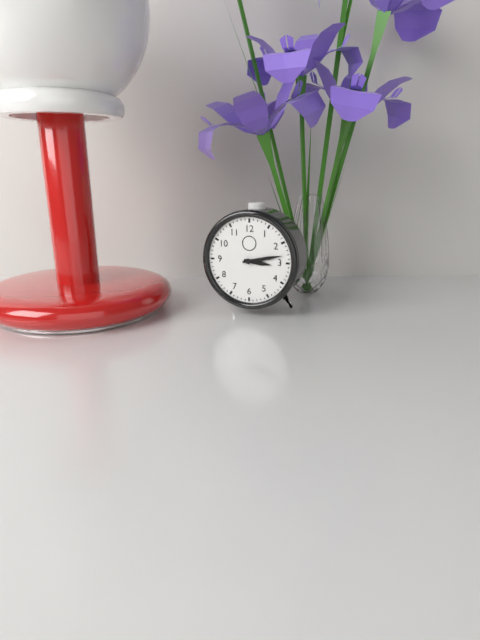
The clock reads **3:13**
